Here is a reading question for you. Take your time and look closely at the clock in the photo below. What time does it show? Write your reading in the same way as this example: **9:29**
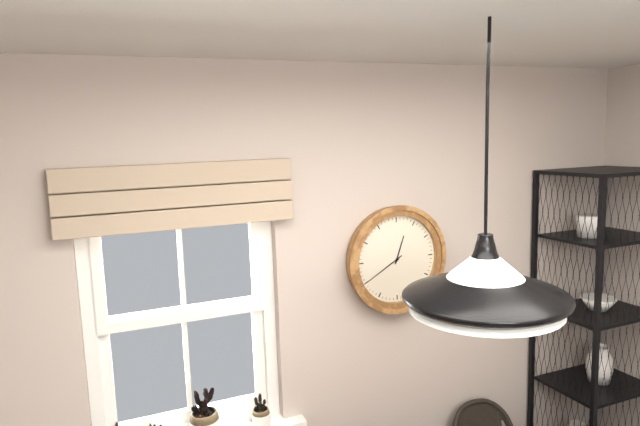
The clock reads **12:40**
